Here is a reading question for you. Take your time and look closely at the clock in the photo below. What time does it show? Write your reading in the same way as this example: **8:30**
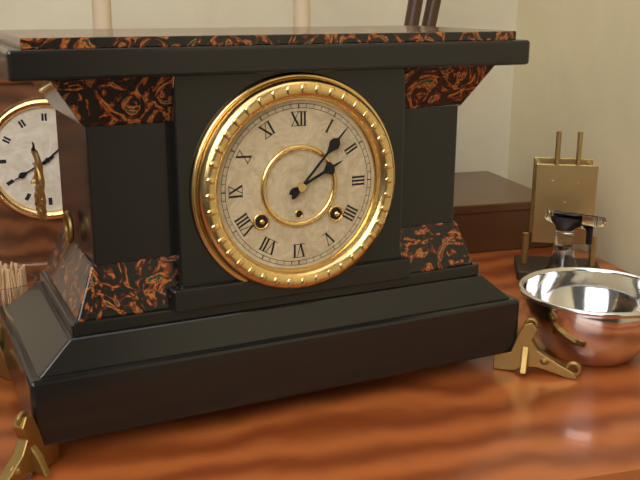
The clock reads **2:07**
